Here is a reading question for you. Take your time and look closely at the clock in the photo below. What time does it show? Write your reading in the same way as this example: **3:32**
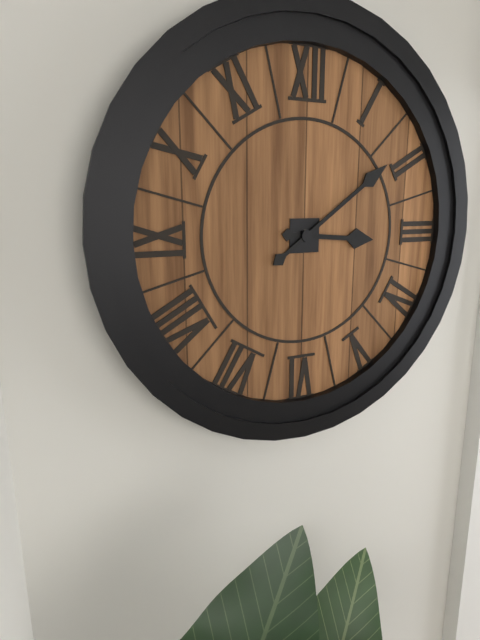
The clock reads **3:09**
